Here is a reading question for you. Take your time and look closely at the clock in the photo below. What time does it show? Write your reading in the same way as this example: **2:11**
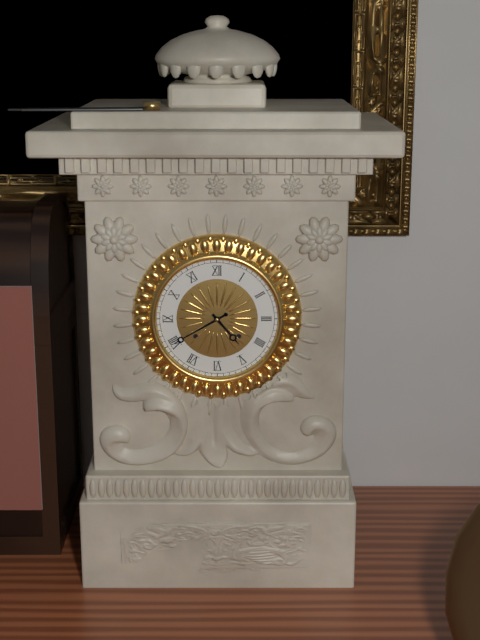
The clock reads **4:40**
